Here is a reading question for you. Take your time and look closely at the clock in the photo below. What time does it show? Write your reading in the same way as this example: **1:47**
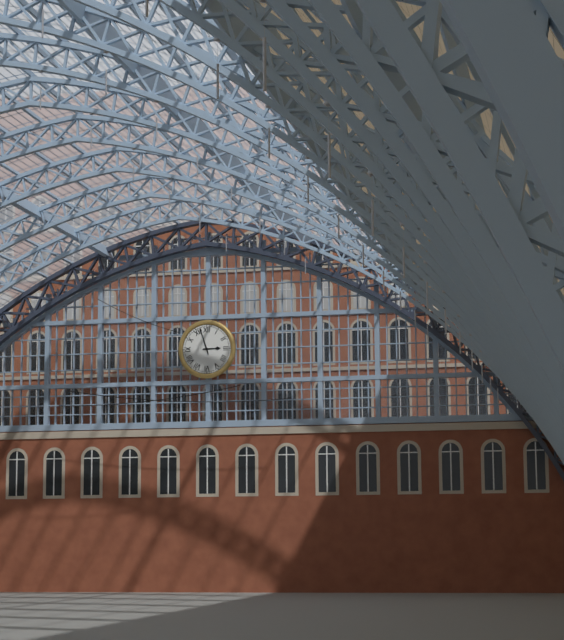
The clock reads **2:57**
